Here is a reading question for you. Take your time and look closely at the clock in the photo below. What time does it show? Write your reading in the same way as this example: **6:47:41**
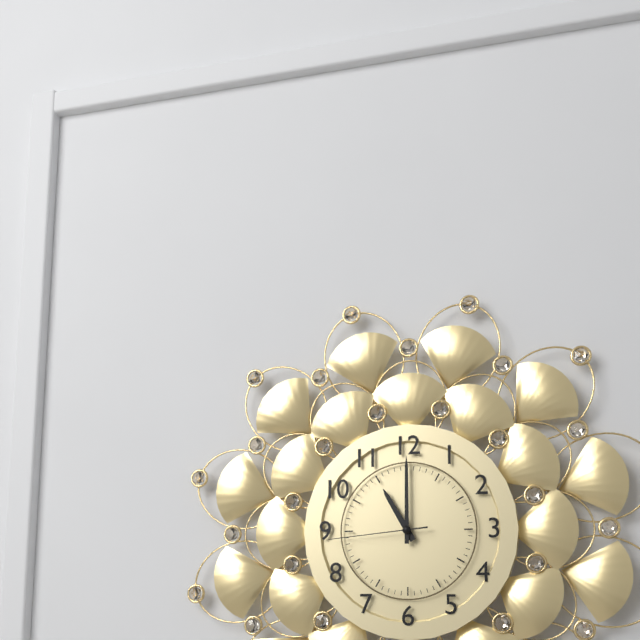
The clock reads **11:00:44**
